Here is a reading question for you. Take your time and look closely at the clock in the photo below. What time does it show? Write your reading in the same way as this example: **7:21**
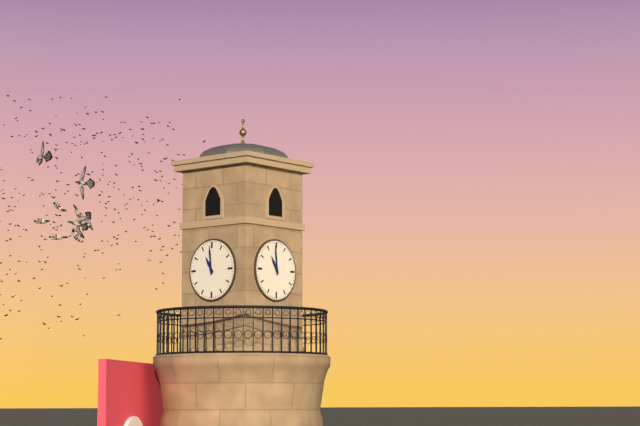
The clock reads **10:59**
